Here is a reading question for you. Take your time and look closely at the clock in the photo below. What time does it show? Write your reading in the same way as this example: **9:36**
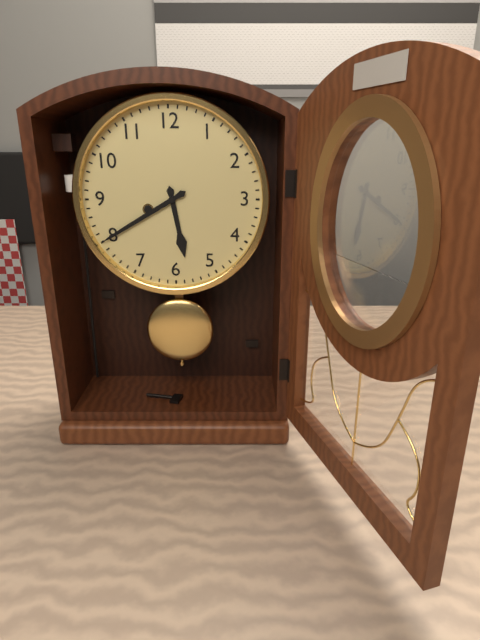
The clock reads **5:40**
